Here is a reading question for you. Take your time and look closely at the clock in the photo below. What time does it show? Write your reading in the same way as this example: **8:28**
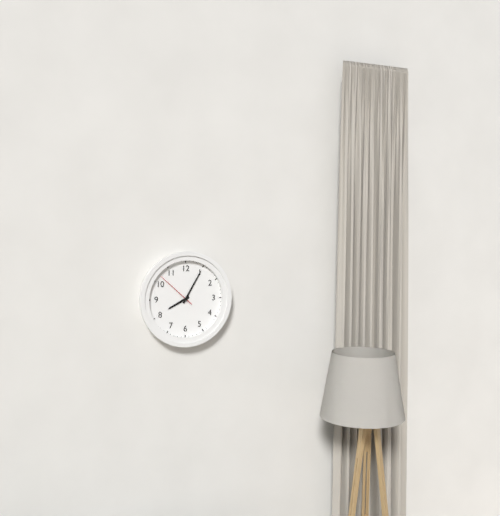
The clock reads **8:05**
